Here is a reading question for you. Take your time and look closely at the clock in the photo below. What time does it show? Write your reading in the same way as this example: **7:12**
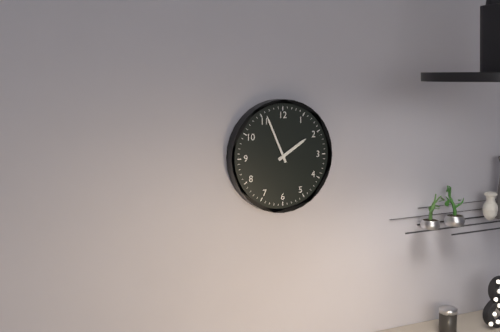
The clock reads **1:56**
